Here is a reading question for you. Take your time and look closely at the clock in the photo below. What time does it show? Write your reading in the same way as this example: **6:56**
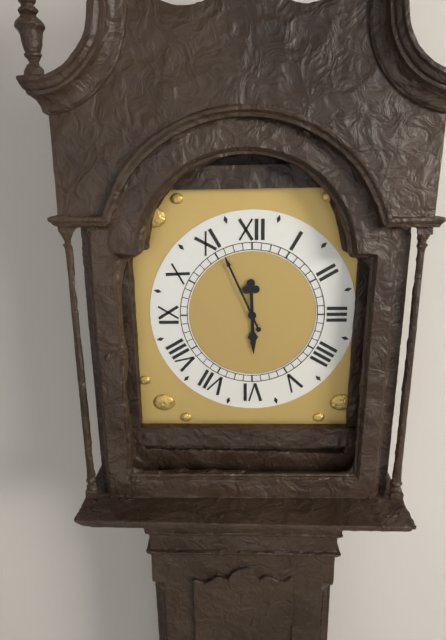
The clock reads **5:56**
